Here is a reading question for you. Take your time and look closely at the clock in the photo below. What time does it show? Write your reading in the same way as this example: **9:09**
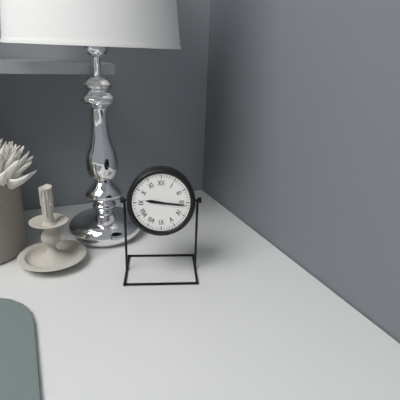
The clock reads **9:16**
